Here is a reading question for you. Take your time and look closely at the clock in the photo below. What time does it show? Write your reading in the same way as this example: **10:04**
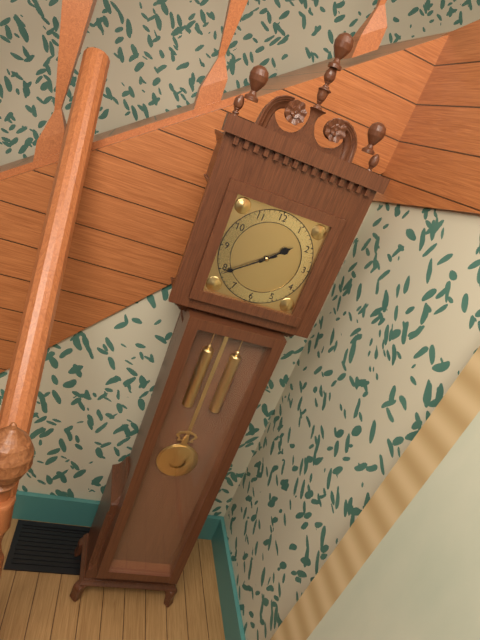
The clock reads **1:39**
